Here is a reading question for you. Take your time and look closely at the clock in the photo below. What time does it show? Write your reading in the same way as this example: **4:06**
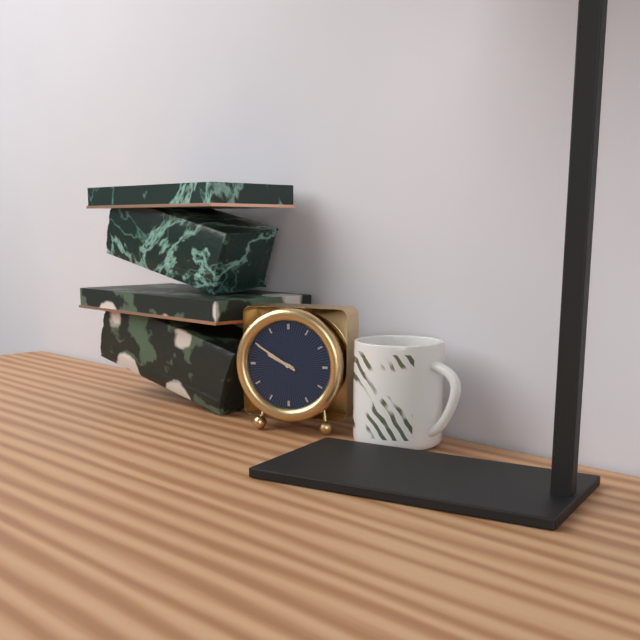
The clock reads **9:50**
